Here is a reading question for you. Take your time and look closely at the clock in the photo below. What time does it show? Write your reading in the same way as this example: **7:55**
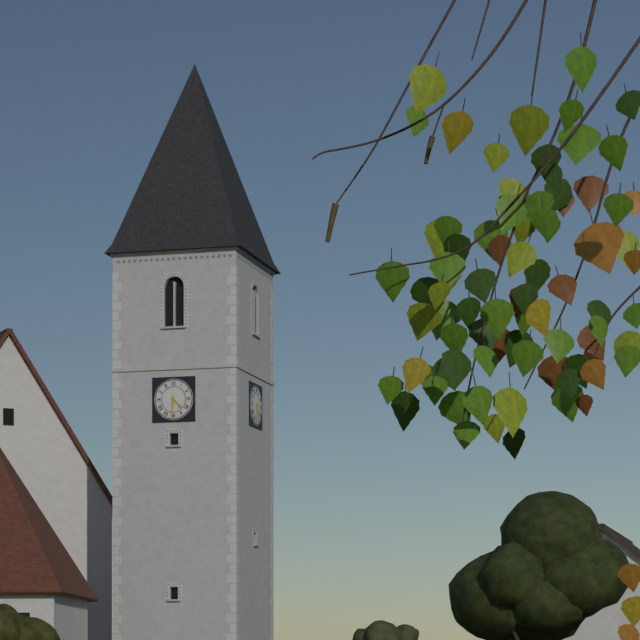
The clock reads **4:31**
